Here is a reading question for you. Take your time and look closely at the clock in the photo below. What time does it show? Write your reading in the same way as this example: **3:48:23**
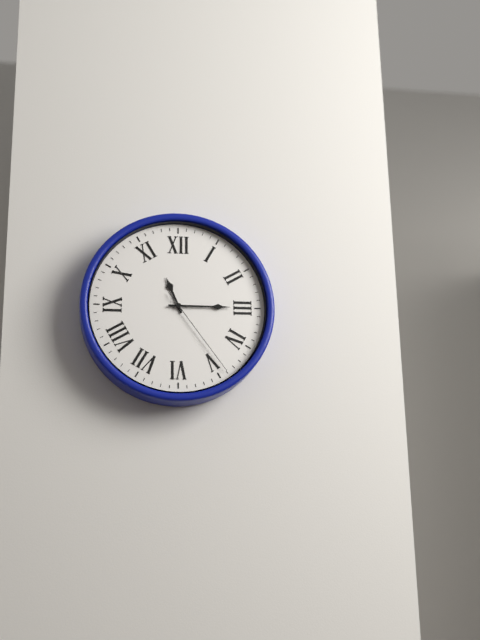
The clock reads **11:15:24**
